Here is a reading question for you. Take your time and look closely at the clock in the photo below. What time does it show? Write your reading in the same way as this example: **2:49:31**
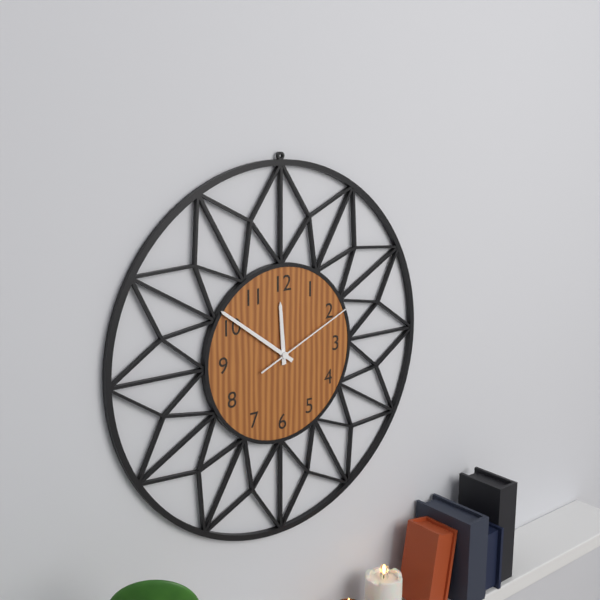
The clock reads **11:51:11**
